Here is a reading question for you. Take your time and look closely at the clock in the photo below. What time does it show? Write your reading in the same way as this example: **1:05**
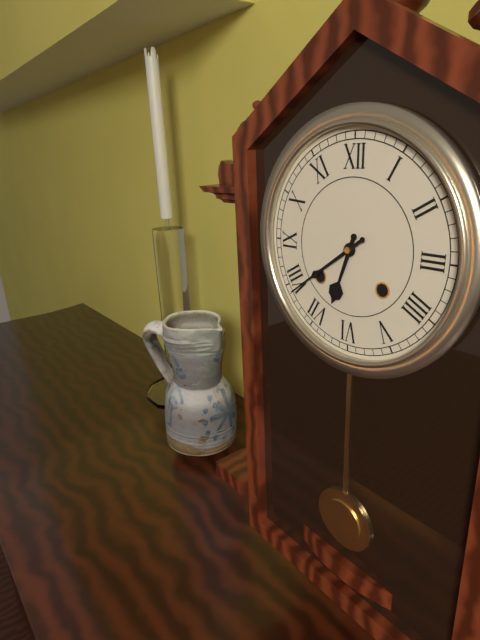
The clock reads **6:39**
